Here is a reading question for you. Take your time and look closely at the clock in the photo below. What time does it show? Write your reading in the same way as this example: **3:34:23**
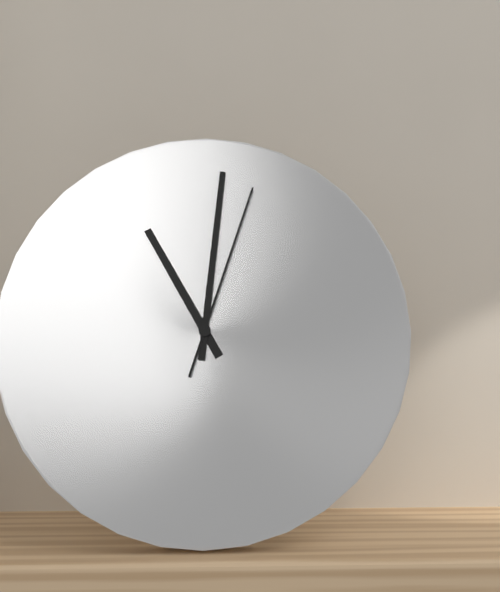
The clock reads **11:01:03**
